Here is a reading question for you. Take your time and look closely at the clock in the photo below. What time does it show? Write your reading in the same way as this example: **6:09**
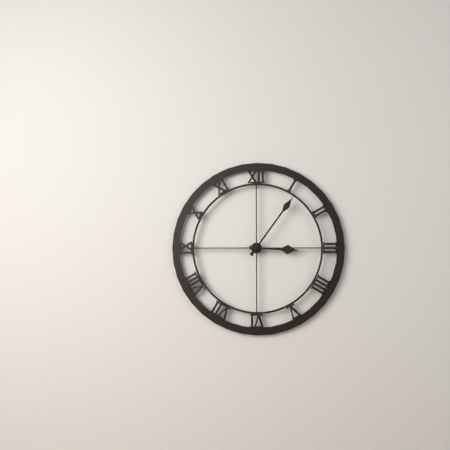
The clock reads **3:06**
